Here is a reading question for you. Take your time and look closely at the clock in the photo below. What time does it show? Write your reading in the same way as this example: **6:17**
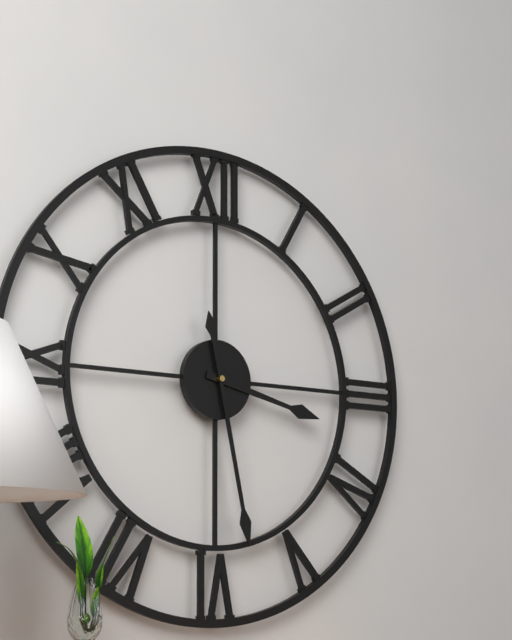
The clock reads **3:28**
